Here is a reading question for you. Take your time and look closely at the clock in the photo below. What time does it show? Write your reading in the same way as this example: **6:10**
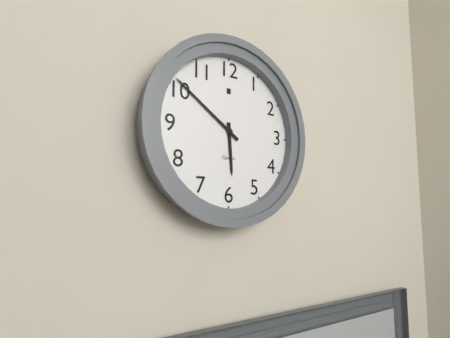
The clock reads **5:51**
